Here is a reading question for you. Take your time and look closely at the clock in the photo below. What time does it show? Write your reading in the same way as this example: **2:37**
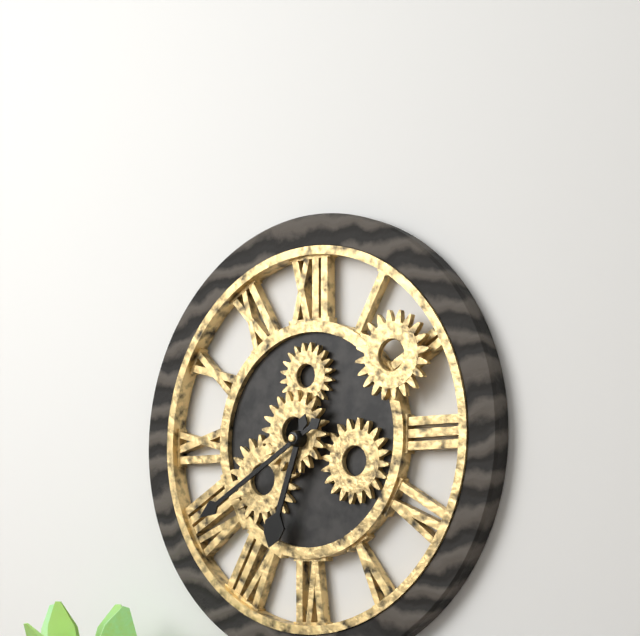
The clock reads **6:40**
